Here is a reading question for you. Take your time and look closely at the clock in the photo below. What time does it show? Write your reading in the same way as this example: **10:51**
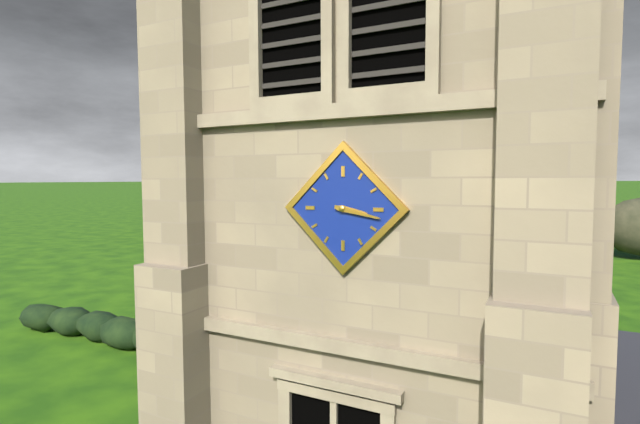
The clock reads **3:17**
